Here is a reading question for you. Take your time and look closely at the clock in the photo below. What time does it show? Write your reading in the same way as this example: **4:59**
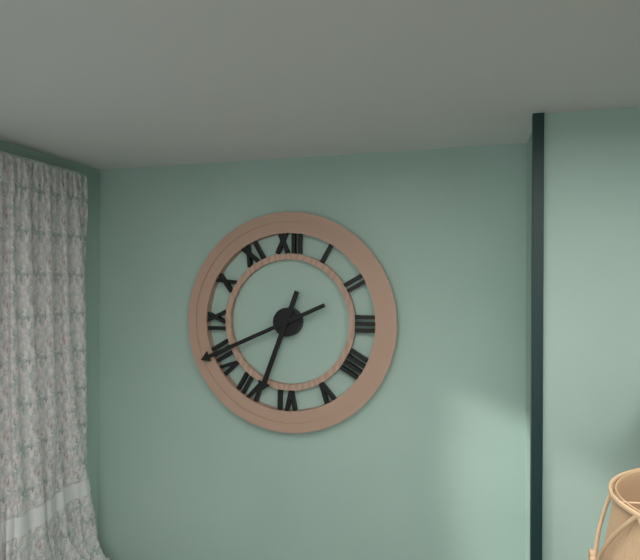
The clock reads **6:41**
